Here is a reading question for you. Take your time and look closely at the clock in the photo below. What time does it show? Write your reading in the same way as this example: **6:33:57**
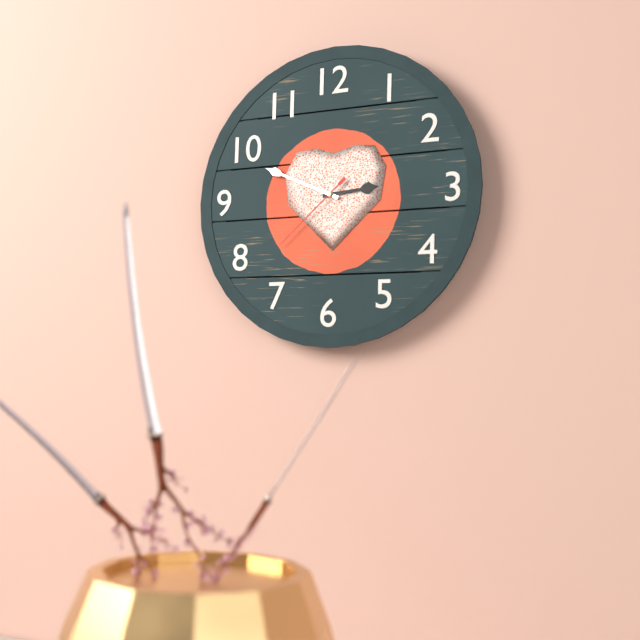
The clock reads **2:49:38**
